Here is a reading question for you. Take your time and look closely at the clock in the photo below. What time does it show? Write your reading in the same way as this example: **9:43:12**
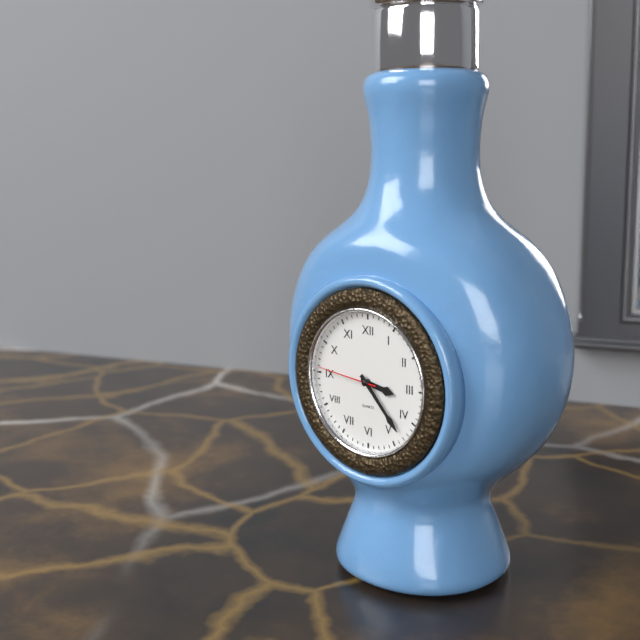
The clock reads **3:23:46**
